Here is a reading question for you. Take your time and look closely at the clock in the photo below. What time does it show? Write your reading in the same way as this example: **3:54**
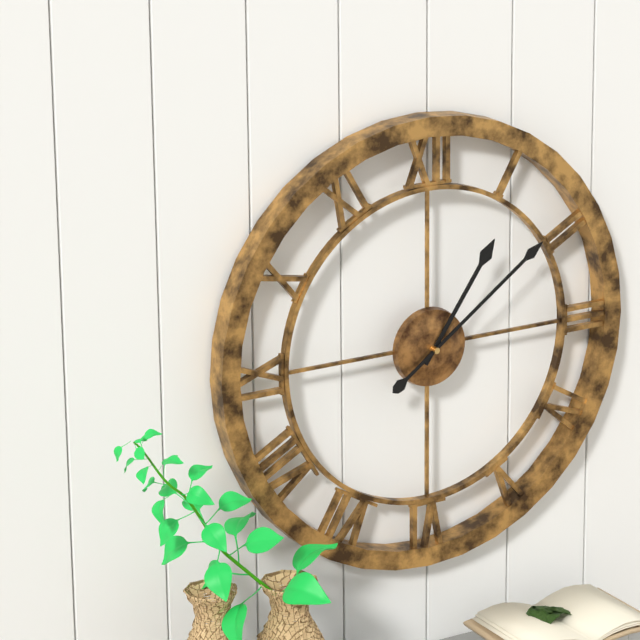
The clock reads **1:09**
